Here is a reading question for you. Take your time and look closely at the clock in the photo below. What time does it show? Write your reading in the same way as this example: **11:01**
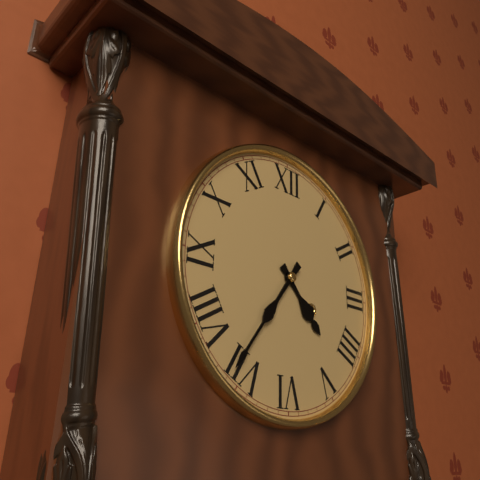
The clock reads **4:36**
